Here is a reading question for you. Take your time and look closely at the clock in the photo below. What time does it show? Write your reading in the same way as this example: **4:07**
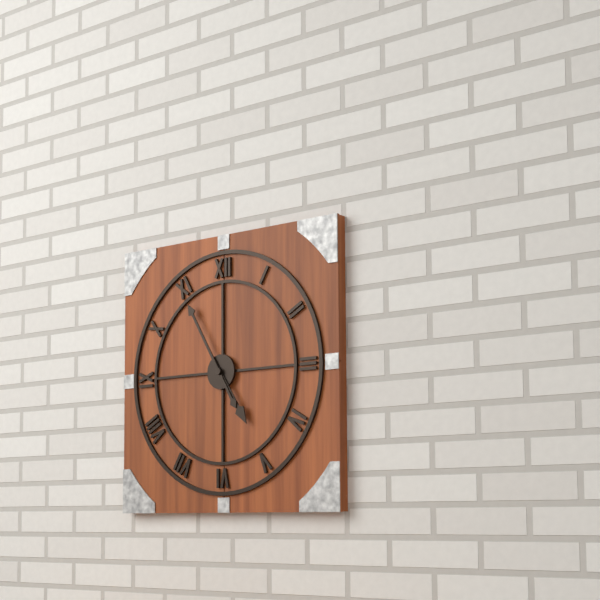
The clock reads **4:55**
